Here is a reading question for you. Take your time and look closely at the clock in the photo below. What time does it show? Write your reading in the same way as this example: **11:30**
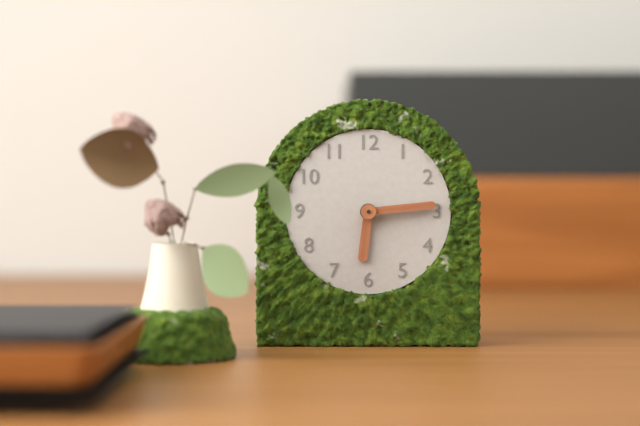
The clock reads **6:14**
